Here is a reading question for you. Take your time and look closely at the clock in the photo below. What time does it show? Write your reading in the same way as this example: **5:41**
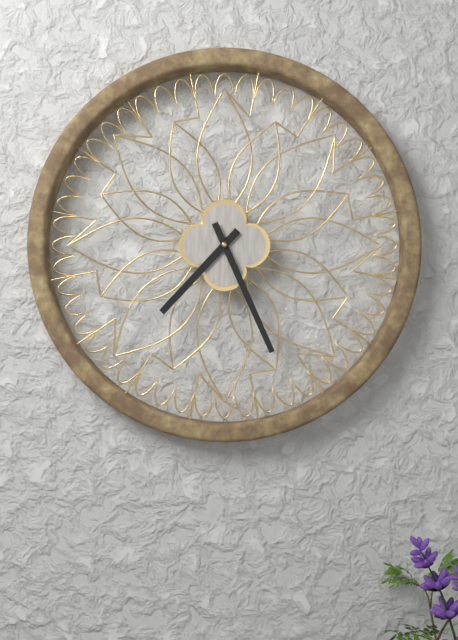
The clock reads **7:26**
